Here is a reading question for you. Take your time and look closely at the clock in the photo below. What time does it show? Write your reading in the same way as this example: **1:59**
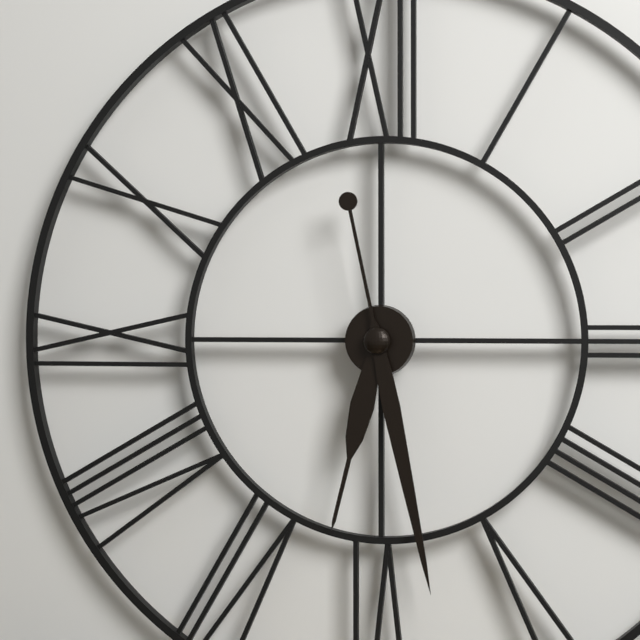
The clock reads **6:28**
